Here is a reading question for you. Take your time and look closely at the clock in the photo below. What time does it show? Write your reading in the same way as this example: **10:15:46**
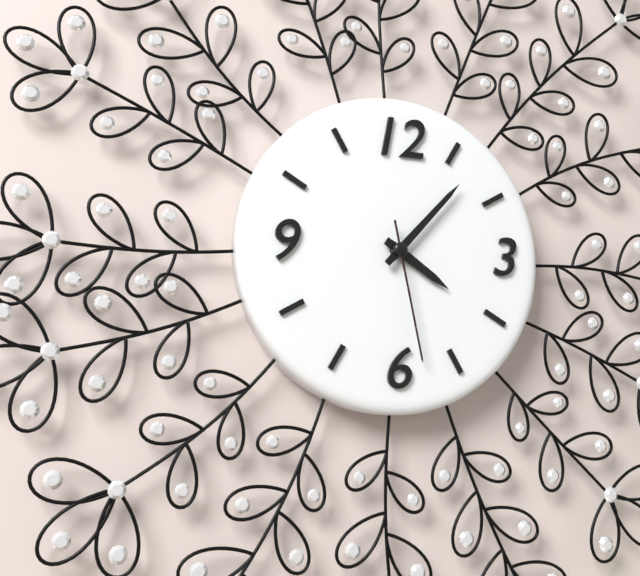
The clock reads **4:07:28**
